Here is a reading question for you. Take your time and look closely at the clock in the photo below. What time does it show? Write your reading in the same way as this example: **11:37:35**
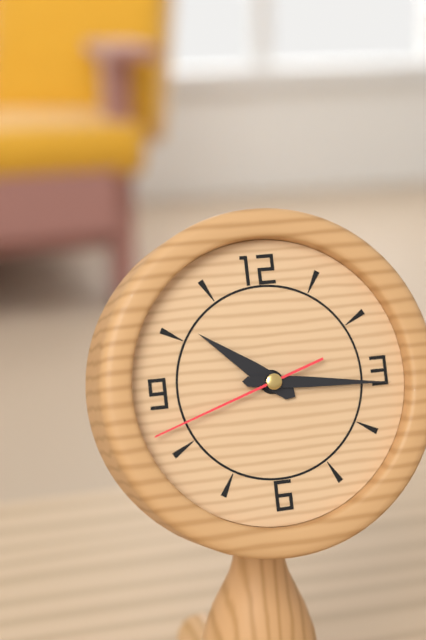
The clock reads **10:16:42**
